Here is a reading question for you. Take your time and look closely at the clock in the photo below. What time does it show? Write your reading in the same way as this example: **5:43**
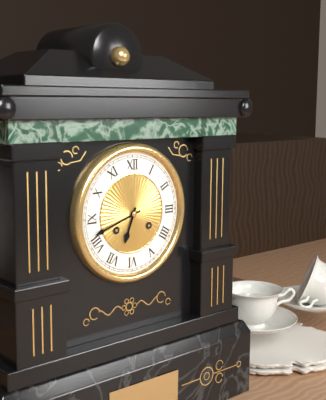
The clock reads **6:42**
